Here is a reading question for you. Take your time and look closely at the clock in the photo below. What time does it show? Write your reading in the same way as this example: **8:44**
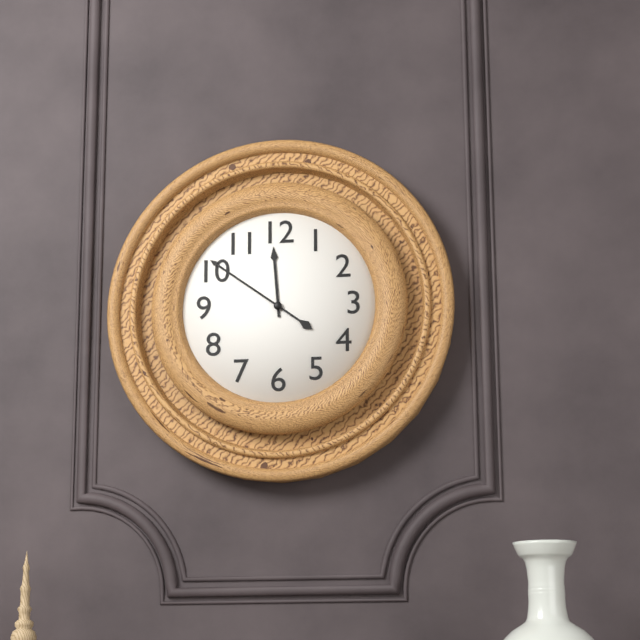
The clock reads **11:51**
